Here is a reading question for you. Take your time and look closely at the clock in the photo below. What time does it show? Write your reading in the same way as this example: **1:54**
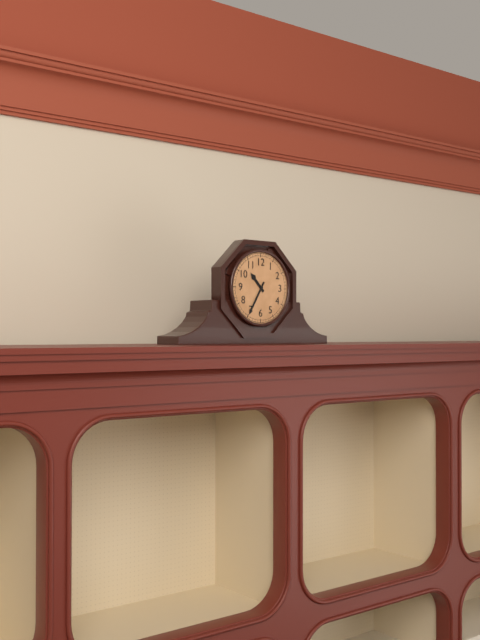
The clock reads **10:35**
